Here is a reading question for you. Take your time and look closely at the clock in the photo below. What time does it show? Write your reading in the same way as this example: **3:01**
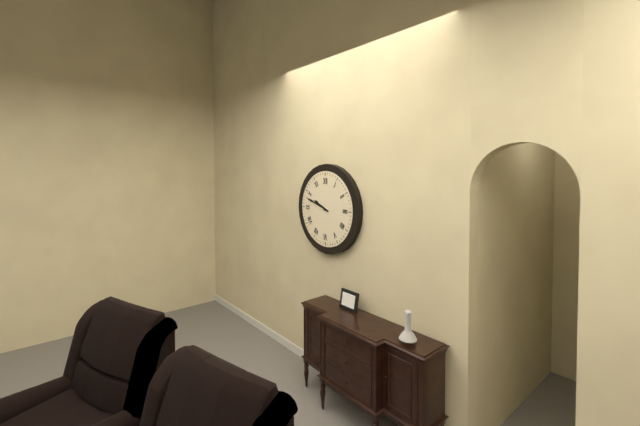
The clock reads **9:48**
